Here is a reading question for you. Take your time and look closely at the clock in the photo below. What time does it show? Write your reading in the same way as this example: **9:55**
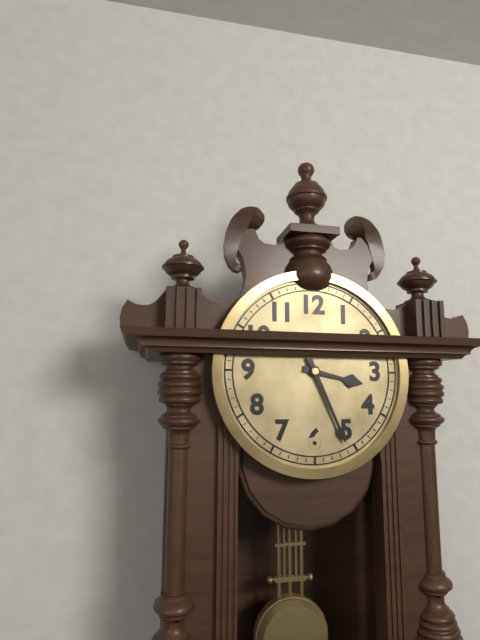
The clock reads **3:26**
